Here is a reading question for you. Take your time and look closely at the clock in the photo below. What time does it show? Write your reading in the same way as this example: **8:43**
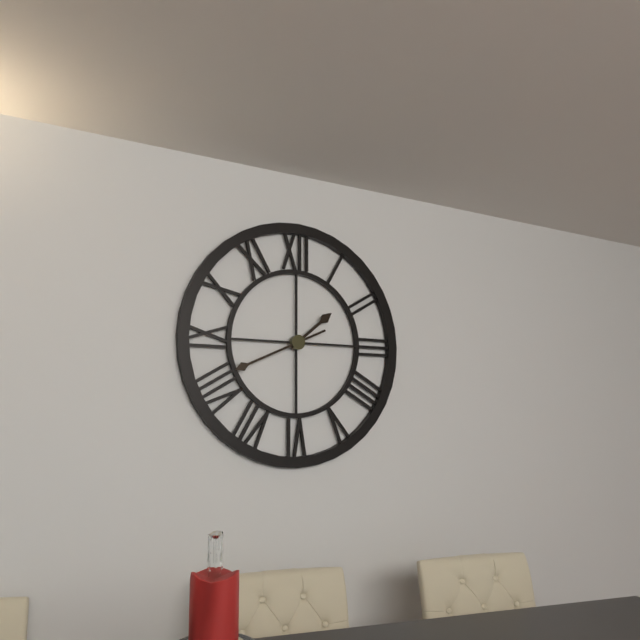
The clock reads **1:41**
